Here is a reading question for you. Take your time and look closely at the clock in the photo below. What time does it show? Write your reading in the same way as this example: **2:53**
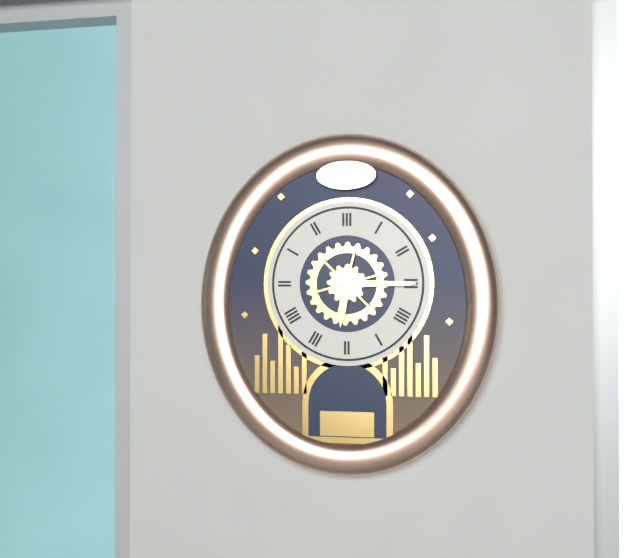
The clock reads **6:15**
